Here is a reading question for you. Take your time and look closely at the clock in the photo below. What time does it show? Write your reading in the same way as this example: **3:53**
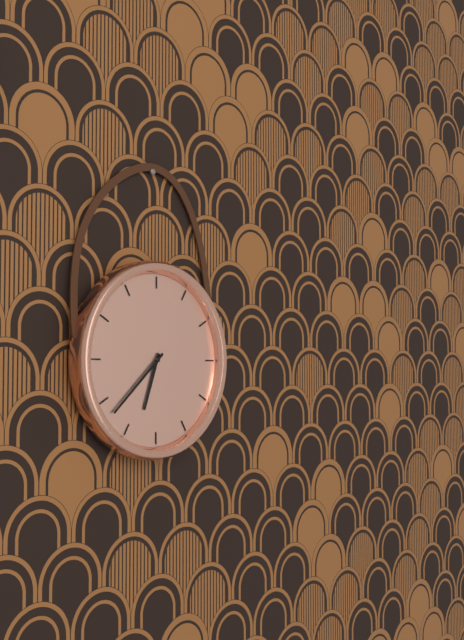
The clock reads **6:38**
